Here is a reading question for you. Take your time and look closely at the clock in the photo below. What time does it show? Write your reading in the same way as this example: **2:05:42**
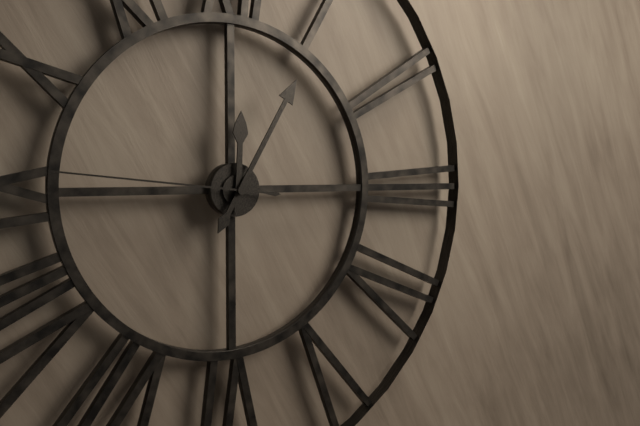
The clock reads **12:05:46**
